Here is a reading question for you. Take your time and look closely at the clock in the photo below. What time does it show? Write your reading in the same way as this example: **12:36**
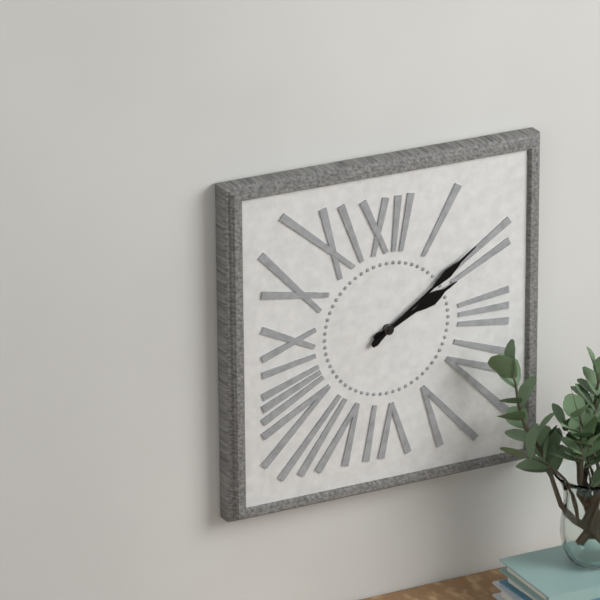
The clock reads **2:09**
